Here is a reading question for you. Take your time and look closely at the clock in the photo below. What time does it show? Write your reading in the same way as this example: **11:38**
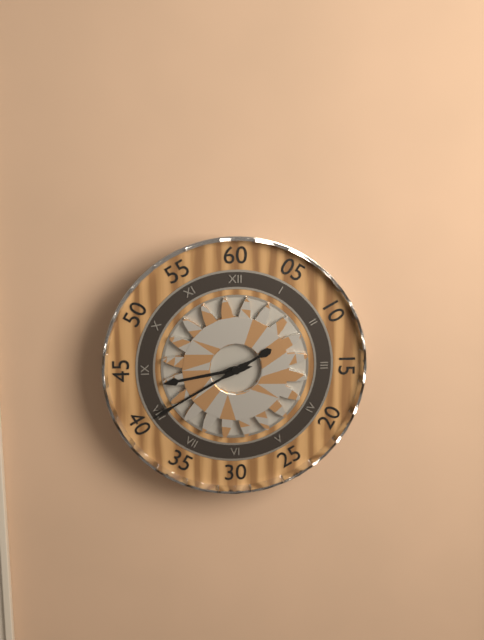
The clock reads **8:40**
